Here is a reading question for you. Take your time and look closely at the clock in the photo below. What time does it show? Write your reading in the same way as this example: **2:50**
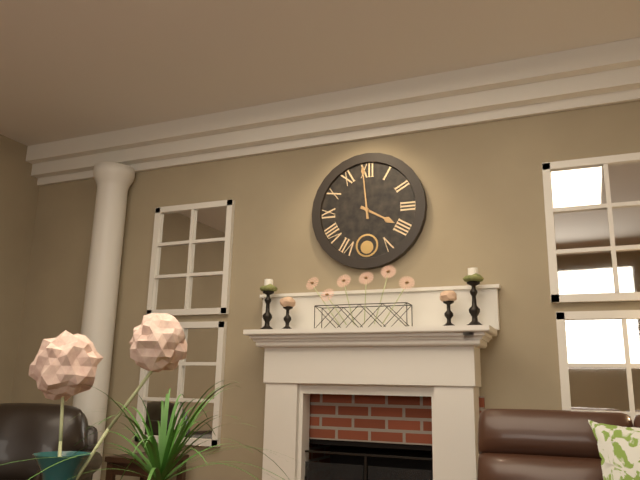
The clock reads **3:59**
